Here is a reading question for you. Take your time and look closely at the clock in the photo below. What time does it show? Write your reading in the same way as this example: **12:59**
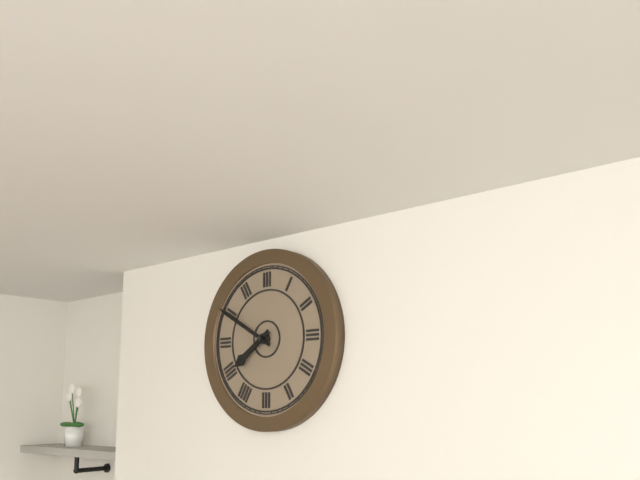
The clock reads **7:50**
